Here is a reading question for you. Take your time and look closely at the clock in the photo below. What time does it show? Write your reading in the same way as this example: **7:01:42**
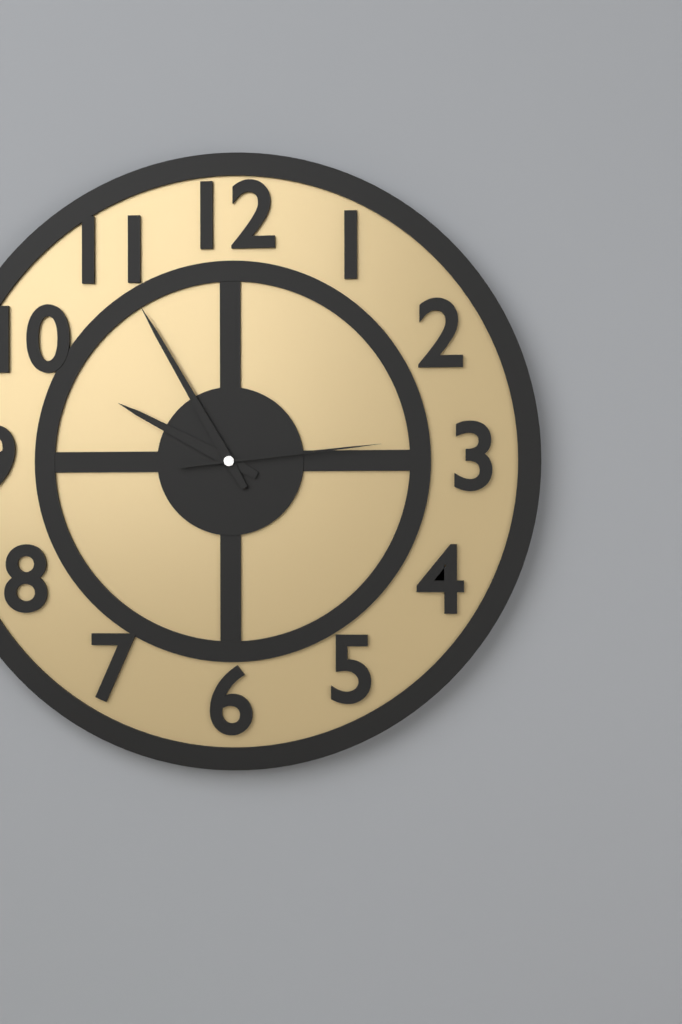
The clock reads **9:55:14**
